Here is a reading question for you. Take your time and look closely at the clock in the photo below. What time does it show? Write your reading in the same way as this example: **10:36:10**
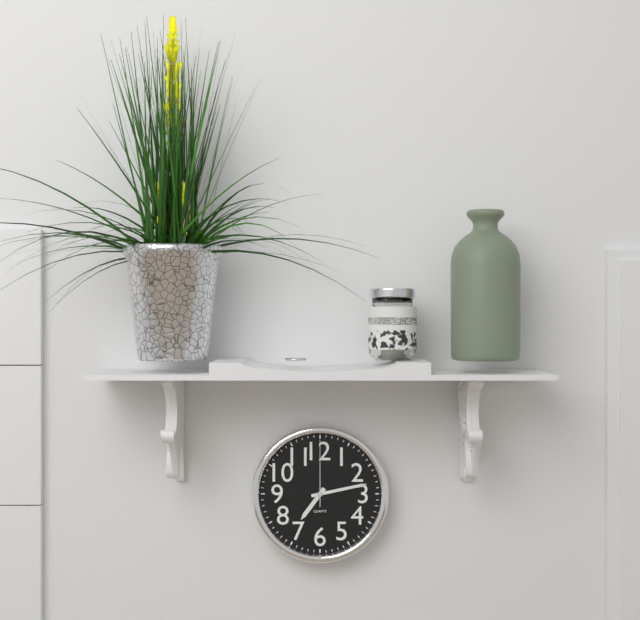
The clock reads **7:13:00**
